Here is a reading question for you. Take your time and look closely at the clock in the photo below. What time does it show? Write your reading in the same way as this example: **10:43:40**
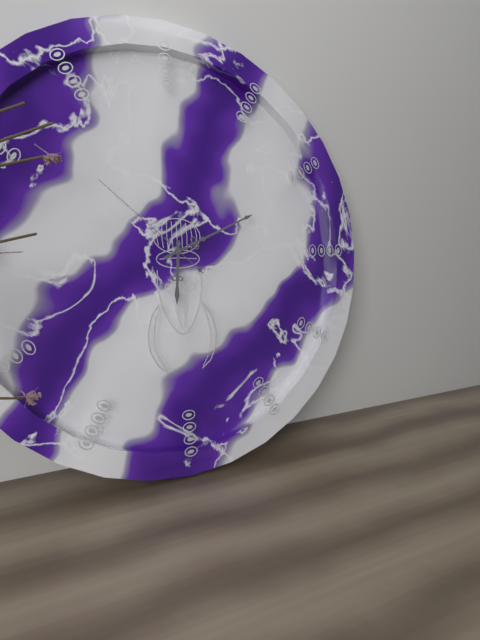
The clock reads **6:11:52**
